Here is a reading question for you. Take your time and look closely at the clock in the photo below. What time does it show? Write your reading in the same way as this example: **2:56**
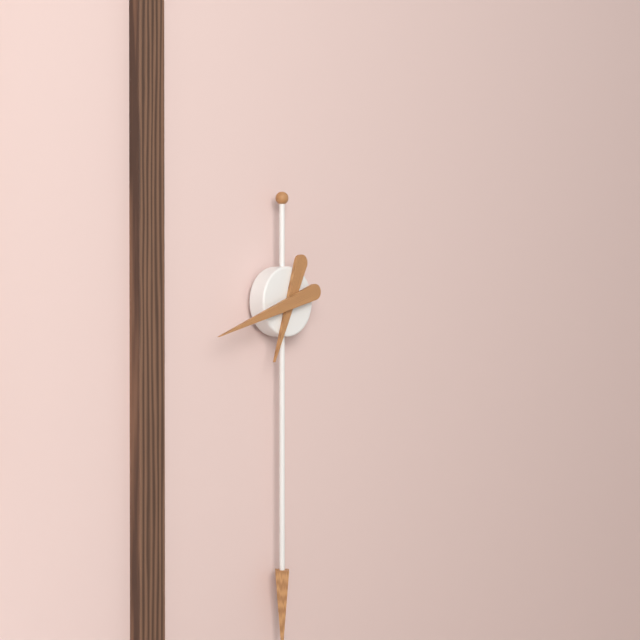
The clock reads **6:42**
